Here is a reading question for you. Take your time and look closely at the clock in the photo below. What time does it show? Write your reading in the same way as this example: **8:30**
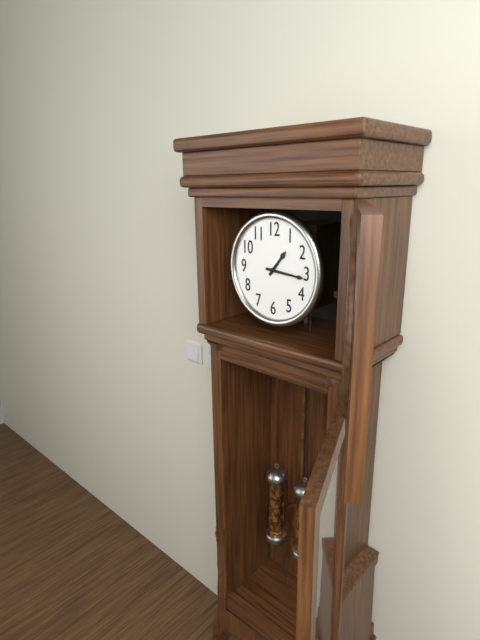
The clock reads **1:16**
